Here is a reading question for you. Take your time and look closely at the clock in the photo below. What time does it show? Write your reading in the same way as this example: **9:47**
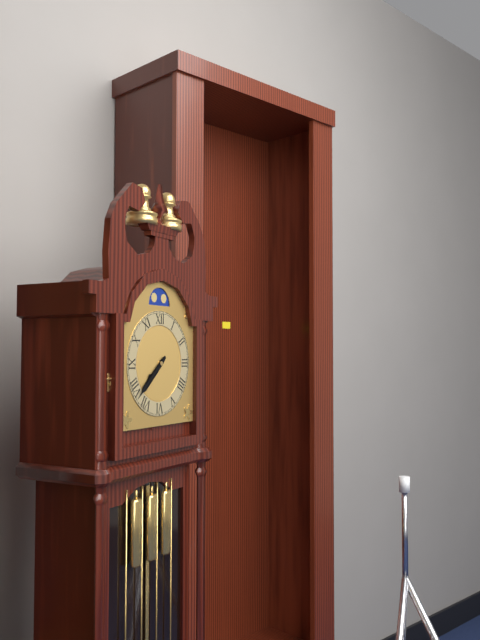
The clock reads **7:38**
